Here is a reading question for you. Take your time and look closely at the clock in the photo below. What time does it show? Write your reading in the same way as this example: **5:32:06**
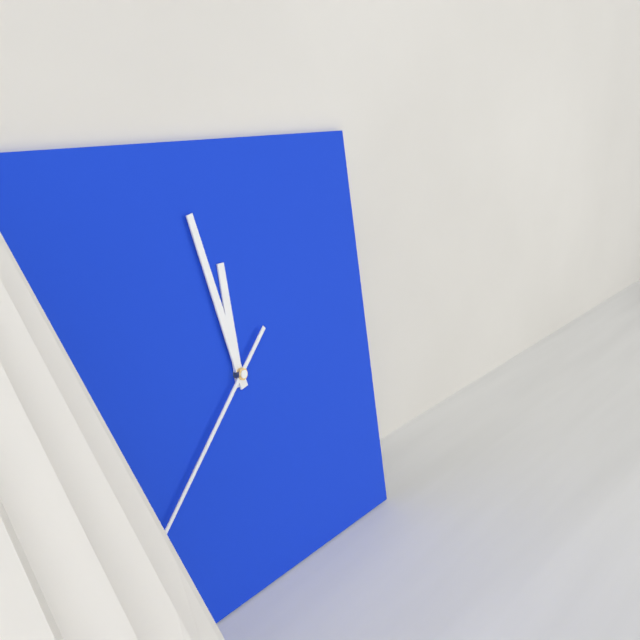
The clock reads **11:58:38**
